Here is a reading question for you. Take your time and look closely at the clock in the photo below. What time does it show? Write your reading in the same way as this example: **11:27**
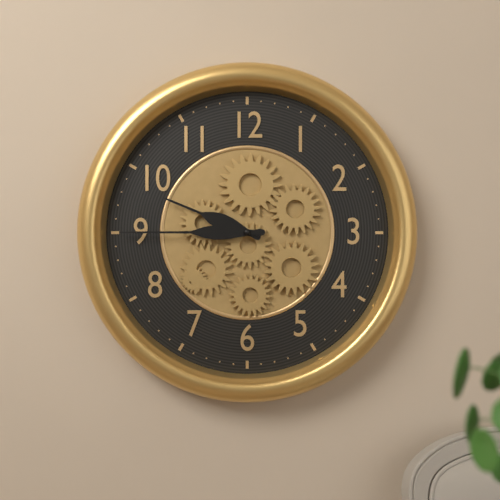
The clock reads **9:45**
